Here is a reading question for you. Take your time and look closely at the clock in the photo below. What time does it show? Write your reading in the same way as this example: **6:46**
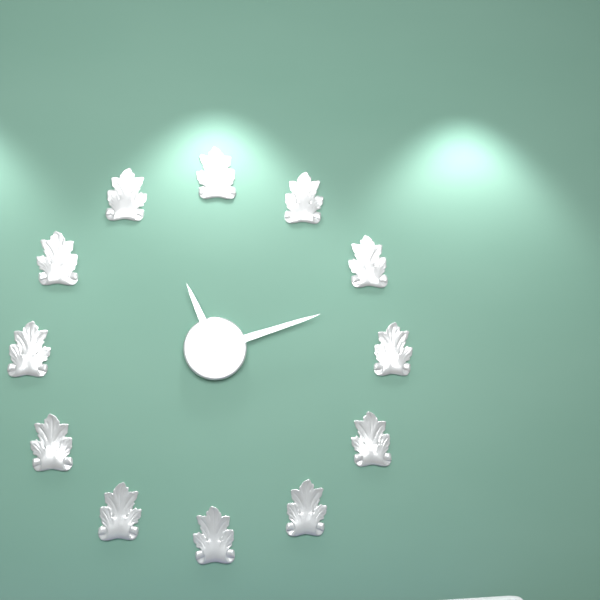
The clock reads **11:12**
